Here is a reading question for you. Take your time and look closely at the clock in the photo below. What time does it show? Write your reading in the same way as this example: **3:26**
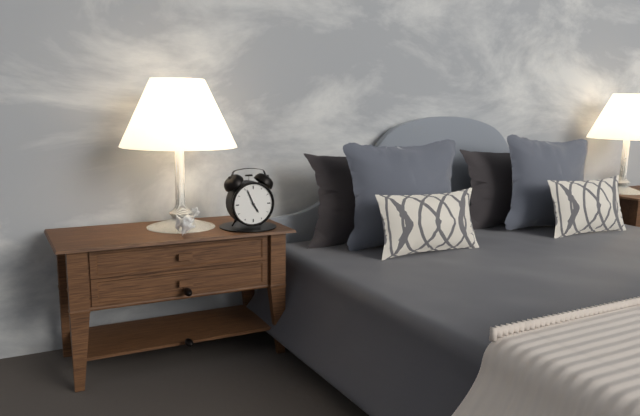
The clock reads **4:56**
